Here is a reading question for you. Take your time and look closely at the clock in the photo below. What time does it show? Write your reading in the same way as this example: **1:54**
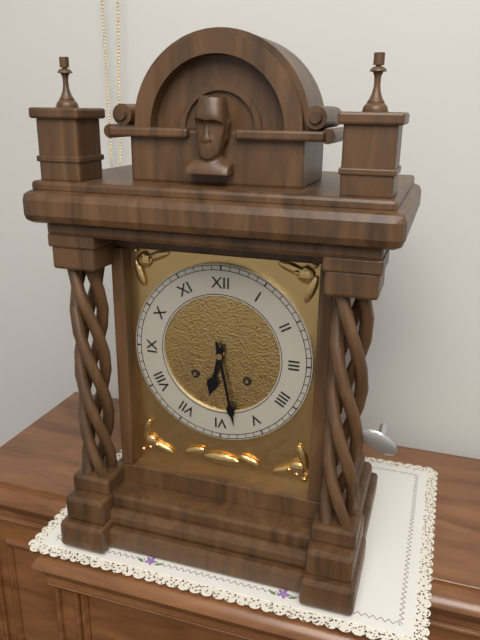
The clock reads **6:28**
